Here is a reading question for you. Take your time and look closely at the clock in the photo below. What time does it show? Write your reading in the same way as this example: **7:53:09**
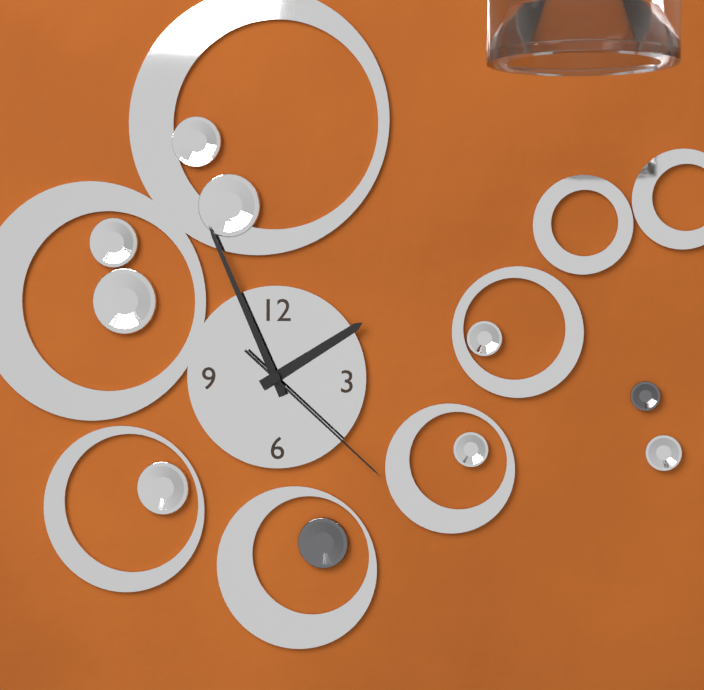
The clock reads **1:56:22**
